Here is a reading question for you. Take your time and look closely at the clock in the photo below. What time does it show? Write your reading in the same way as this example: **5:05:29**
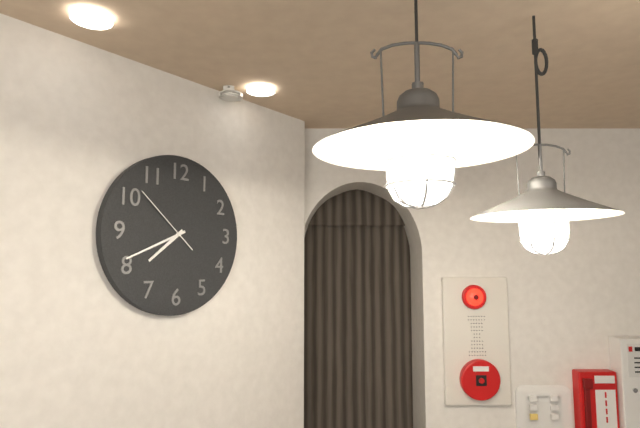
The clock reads **7:41:52**
